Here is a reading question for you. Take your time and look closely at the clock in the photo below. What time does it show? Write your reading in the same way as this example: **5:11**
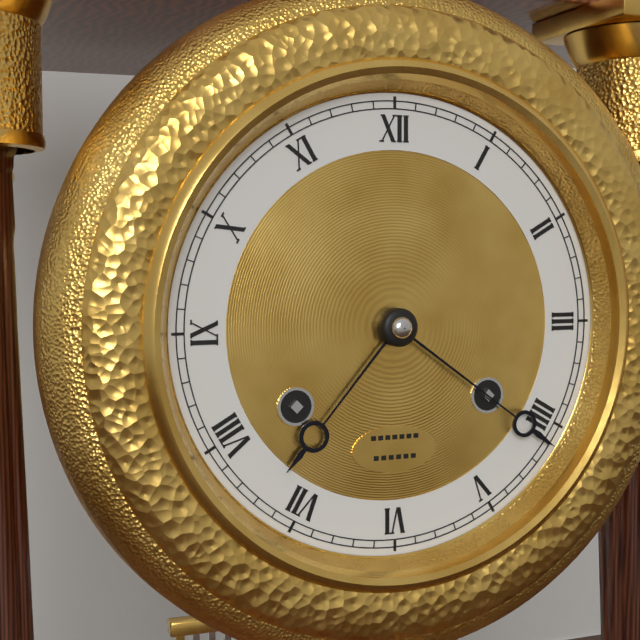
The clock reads **7:21**
